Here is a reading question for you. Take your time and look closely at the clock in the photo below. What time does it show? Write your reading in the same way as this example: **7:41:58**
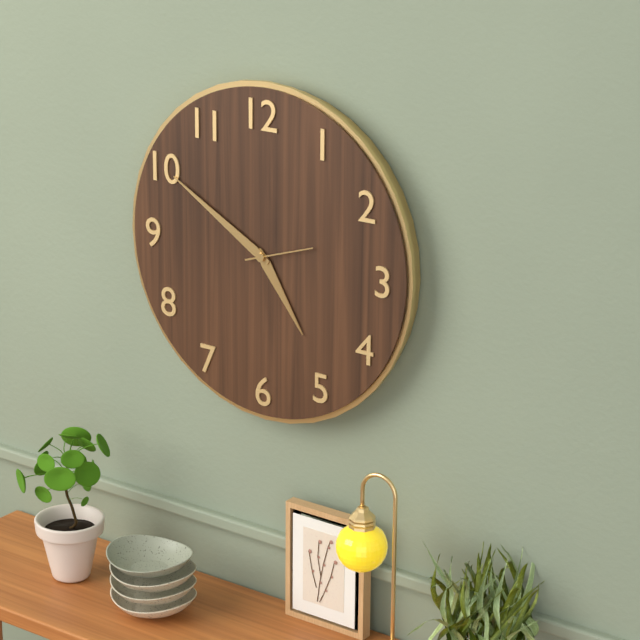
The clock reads **4:50:12**
